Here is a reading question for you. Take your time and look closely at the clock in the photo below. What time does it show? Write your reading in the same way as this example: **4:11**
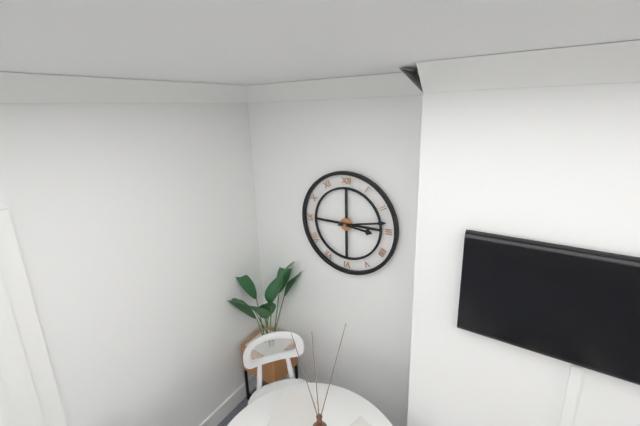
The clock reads **3:13**
